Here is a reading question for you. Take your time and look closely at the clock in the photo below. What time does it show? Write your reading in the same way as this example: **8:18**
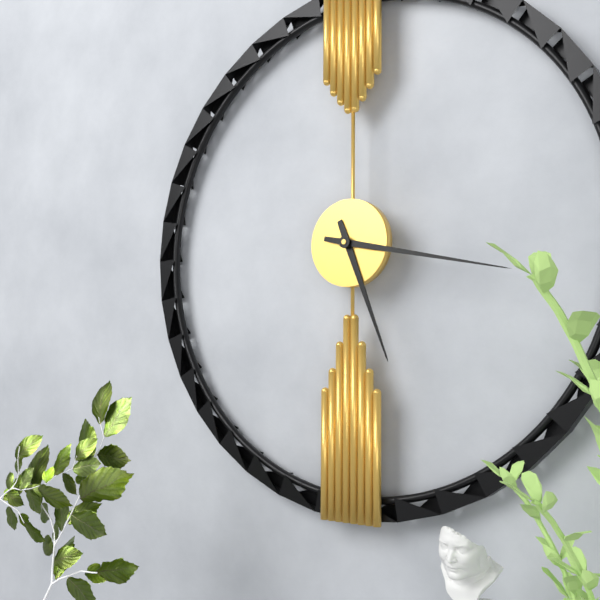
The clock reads **5:17**
